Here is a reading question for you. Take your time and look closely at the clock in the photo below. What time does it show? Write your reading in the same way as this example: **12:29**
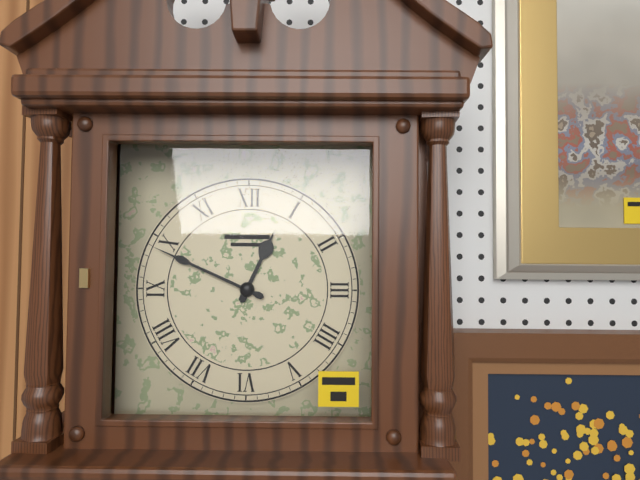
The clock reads **12:49**
